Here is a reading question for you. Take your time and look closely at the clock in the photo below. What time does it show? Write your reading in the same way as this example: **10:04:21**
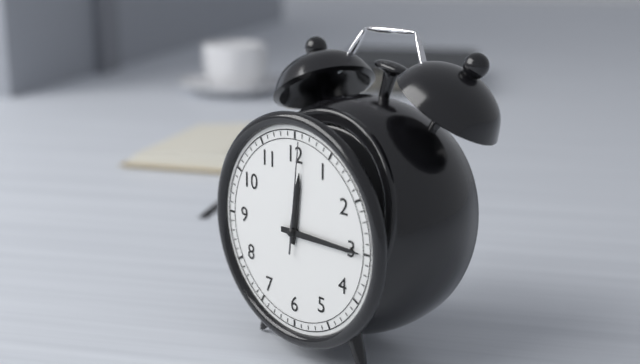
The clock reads **12:15:01**
